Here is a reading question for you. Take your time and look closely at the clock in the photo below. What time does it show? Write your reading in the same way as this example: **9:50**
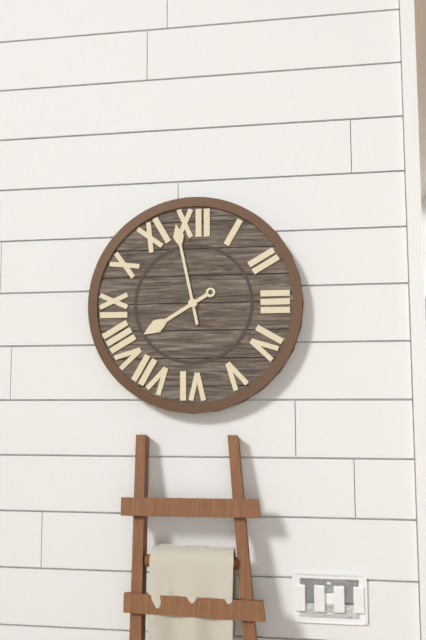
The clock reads **7:58**
